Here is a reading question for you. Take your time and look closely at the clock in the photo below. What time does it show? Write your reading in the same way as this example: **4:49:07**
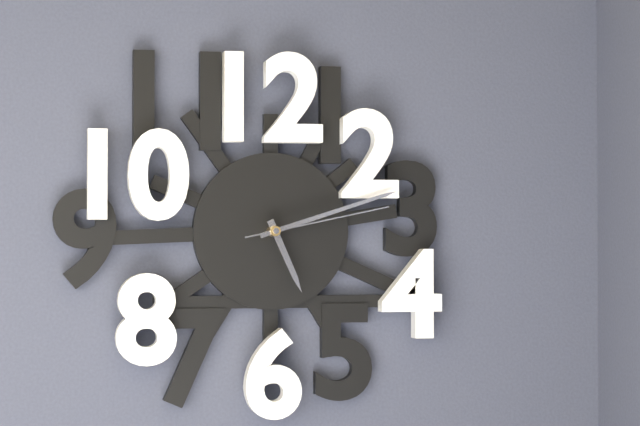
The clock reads **5:12:13**
